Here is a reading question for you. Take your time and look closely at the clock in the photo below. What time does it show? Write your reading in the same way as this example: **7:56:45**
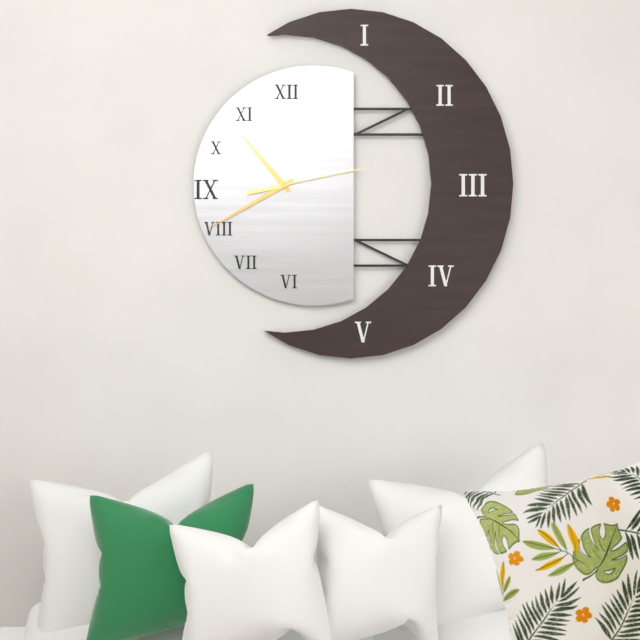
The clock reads **10:40:13**
